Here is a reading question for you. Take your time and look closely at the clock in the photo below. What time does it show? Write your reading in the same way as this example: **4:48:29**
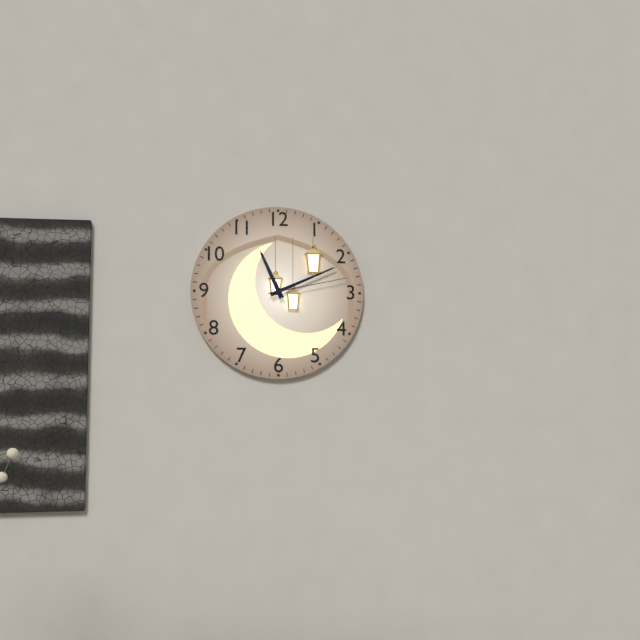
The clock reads **11:11:13**
